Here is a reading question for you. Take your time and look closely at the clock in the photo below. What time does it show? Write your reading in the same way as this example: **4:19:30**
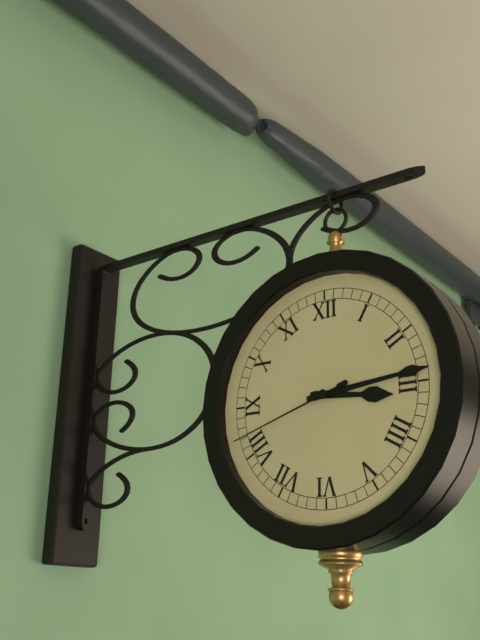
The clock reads **3:14:42**
